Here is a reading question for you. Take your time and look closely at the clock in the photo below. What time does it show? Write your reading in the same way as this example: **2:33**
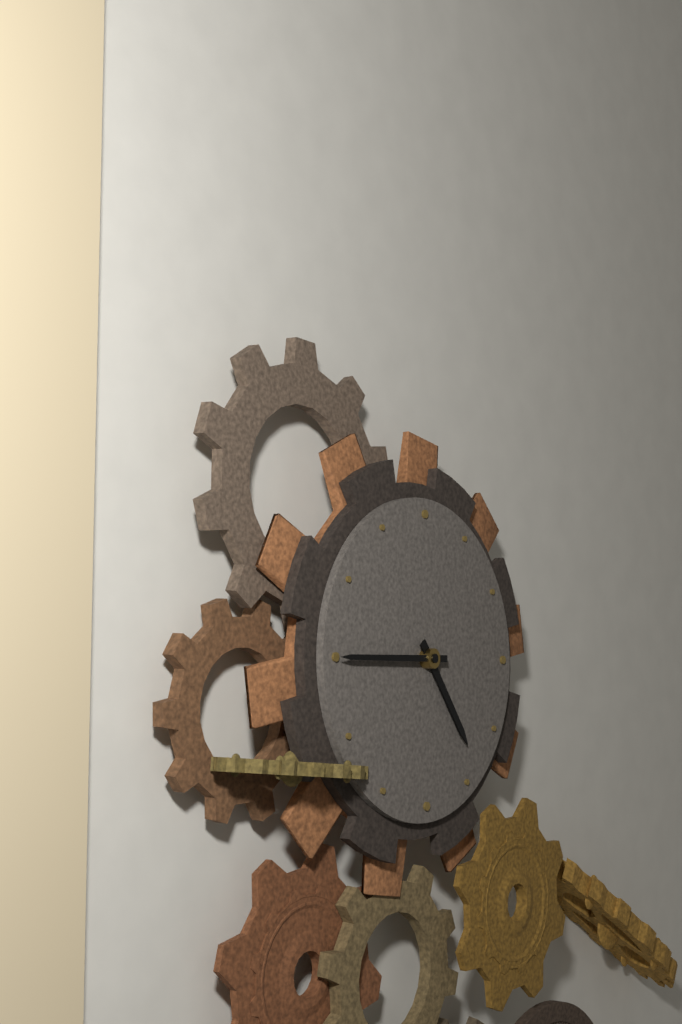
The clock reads **4:45**
